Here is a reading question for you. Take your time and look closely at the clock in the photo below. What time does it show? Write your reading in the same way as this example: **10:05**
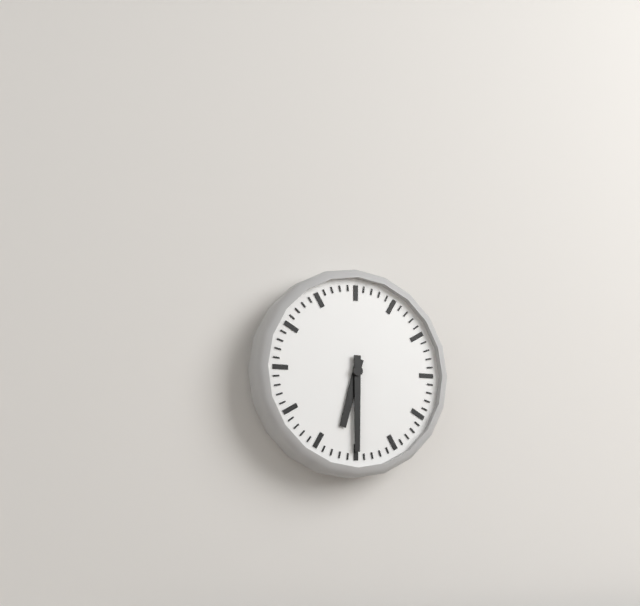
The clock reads **6:30**
